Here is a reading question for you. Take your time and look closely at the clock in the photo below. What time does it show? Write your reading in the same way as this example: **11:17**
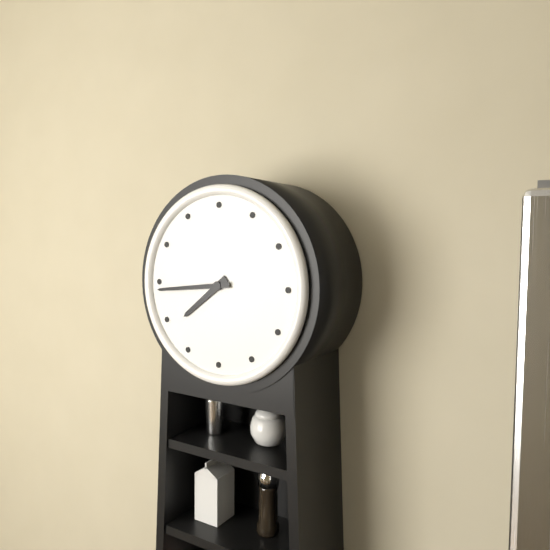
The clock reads **7:44**
